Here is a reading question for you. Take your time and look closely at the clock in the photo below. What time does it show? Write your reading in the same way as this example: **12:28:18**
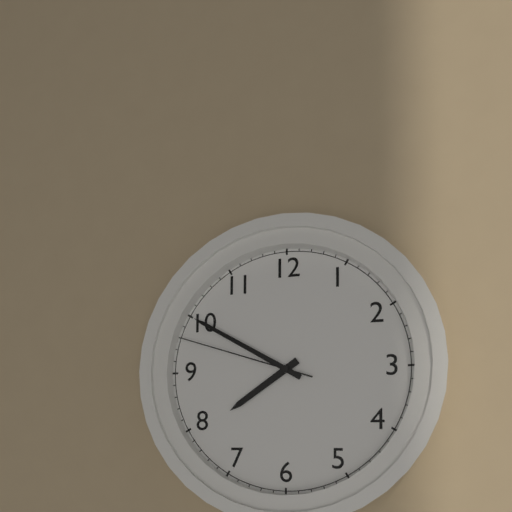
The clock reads **7:50:48**
